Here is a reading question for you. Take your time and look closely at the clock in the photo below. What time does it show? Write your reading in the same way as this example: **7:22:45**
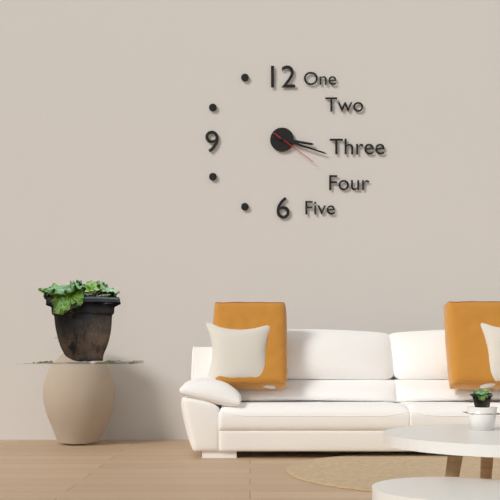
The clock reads **3:18:21**
